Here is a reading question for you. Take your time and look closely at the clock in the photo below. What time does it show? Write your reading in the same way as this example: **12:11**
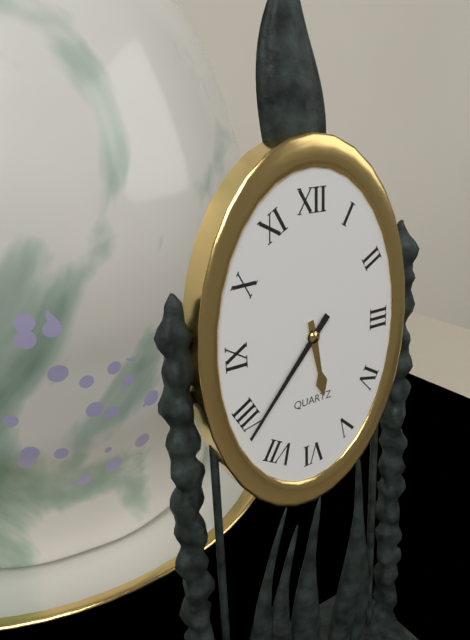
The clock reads **5:37**
